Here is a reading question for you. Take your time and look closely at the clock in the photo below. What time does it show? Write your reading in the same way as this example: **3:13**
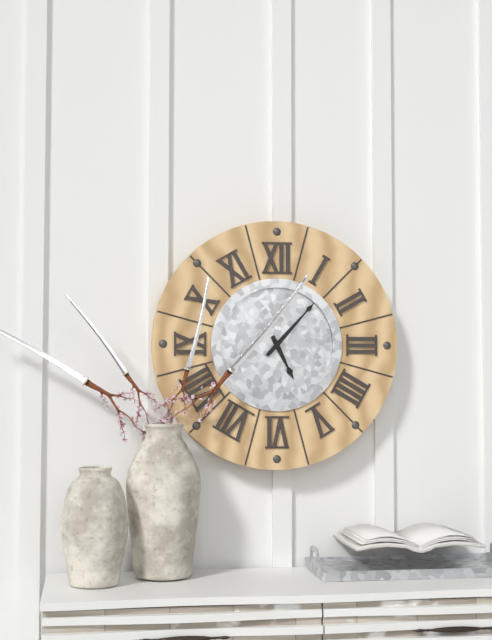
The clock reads **5:07**
